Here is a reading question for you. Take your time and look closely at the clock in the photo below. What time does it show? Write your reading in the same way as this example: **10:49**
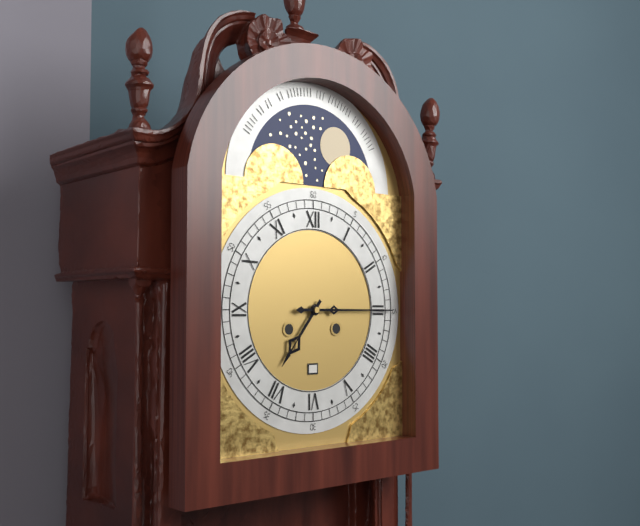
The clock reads **7:15**
